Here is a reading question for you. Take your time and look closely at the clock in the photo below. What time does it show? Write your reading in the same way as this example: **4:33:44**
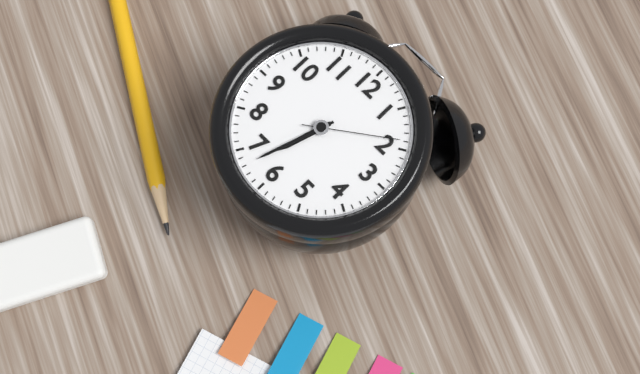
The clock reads **6:33:09**
